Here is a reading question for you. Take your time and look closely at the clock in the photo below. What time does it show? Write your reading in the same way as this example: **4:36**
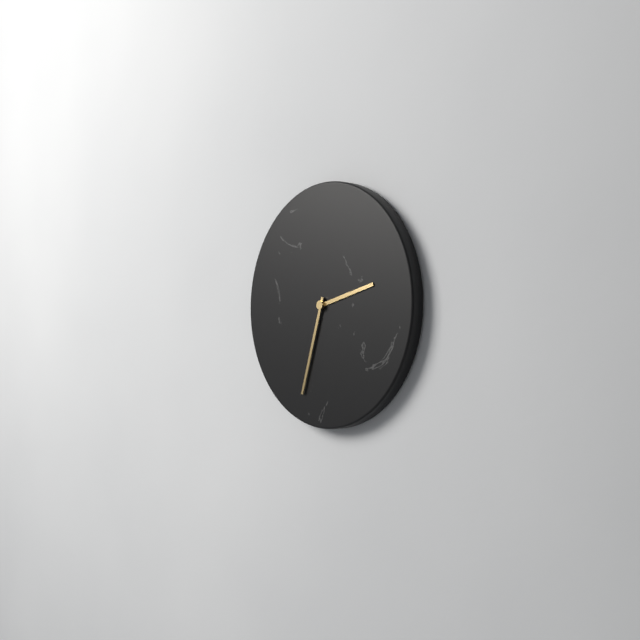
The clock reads **2:33**
